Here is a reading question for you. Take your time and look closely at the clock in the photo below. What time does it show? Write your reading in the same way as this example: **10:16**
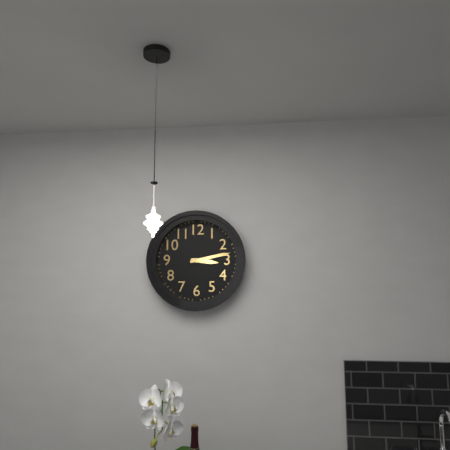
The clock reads **3:13**
